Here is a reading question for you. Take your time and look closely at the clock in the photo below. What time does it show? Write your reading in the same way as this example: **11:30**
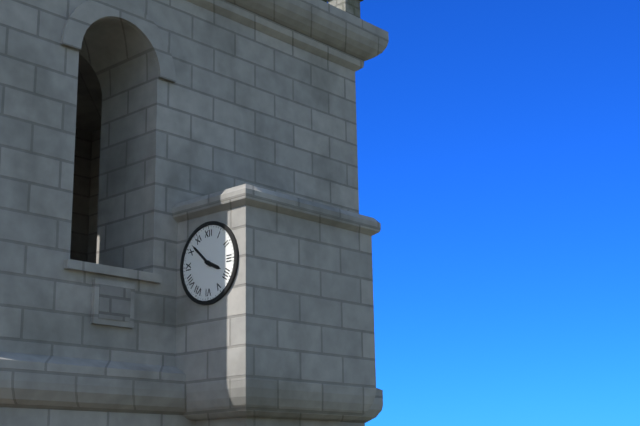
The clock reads **3:52**
